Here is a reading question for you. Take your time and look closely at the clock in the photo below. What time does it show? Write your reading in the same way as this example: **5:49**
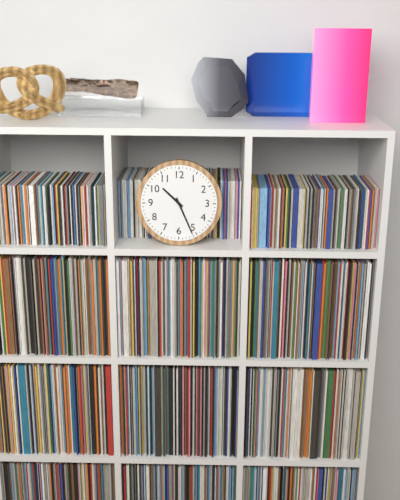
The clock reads **10:26**
